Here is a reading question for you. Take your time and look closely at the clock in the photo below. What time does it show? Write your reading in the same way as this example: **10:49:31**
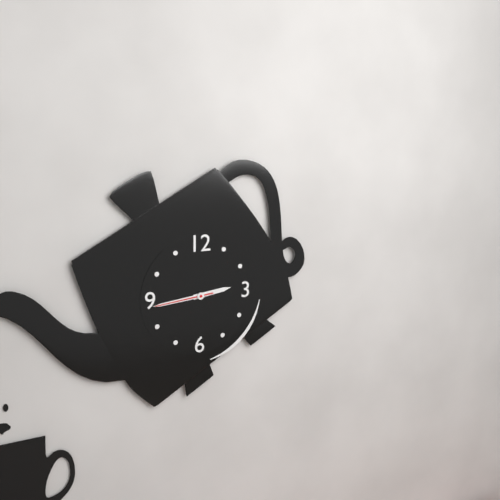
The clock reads **2:44:44**
